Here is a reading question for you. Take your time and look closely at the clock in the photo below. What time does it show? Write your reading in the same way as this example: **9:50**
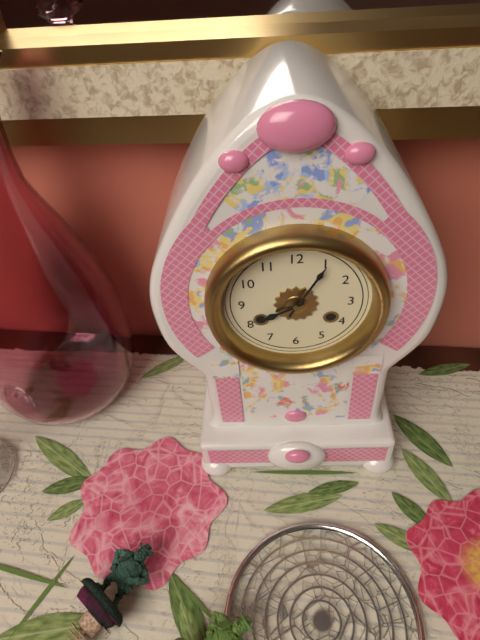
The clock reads **8:05**
